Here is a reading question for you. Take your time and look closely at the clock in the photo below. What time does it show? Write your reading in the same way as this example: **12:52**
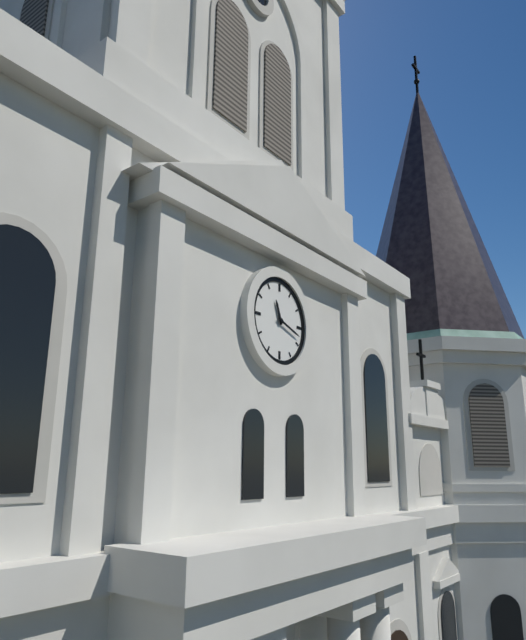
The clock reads **11:18**
